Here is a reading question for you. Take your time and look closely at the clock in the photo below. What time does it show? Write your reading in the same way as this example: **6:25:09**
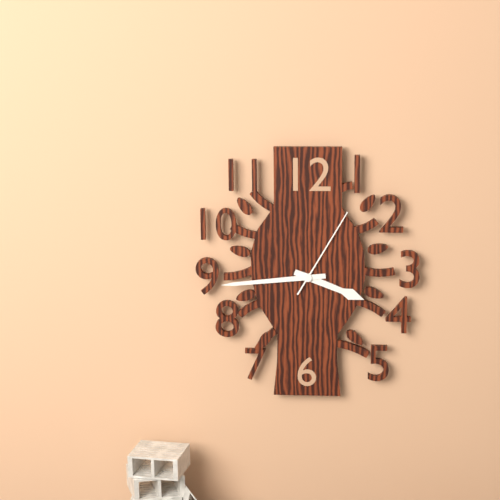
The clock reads **3:44:05**
